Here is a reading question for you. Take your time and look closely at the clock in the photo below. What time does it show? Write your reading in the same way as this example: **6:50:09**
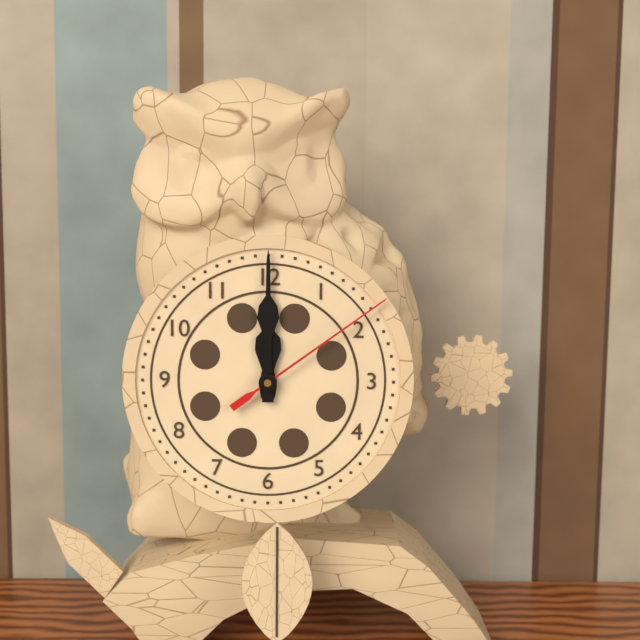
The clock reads **12:00:09**
